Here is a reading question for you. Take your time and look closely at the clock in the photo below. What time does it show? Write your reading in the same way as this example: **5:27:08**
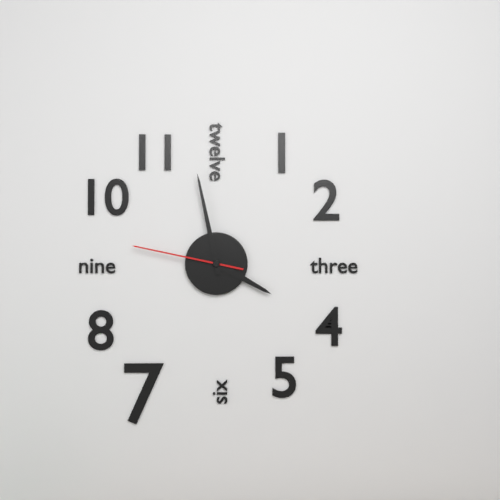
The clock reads **3:58:47**
